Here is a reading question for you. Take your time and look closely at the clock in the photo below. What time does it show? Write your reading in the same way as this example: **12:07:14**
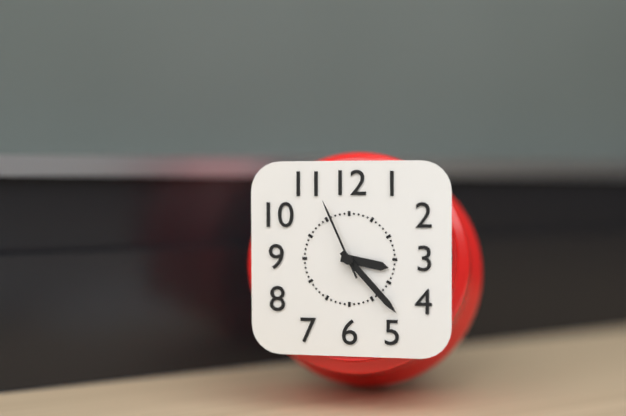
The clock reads **3:23:56**
